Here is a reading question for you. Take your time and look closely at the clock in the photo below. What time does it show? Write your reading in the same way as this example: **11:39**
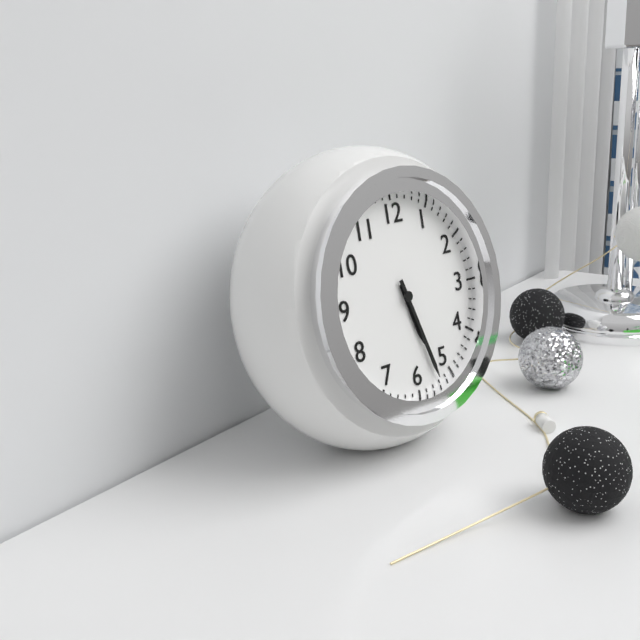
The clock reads **5:27**
